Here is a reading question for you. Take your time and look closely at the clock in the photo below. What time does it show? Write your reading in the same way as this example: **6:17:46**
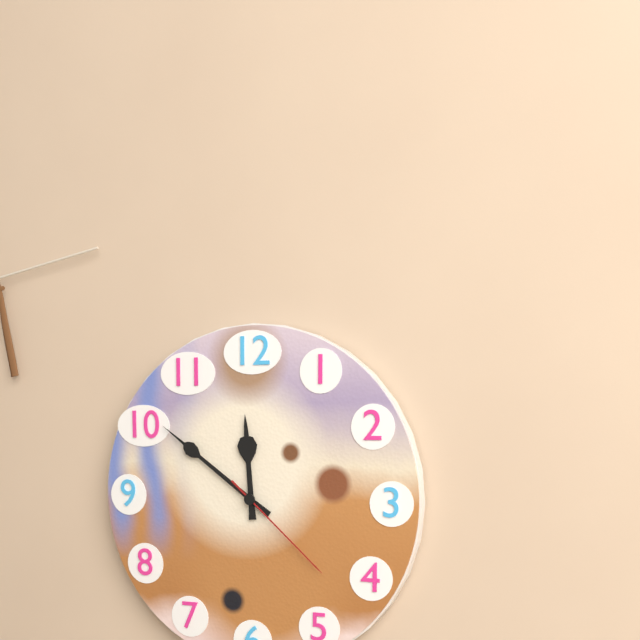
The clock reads **11:51:22**
